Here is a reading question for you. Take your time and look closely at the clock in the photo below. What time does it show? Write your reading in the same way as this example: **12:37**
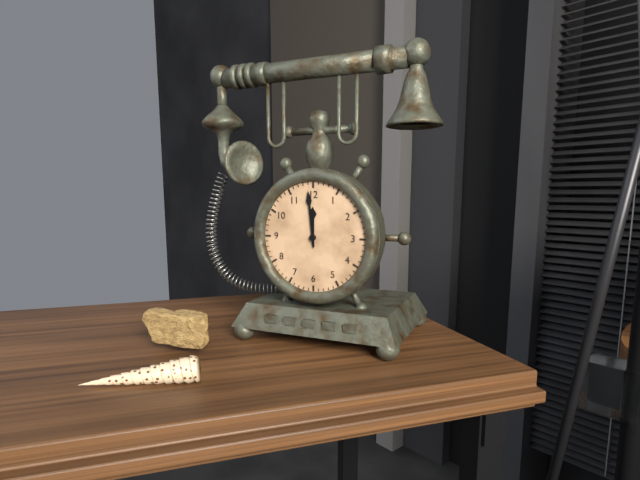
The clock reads **11:59**
